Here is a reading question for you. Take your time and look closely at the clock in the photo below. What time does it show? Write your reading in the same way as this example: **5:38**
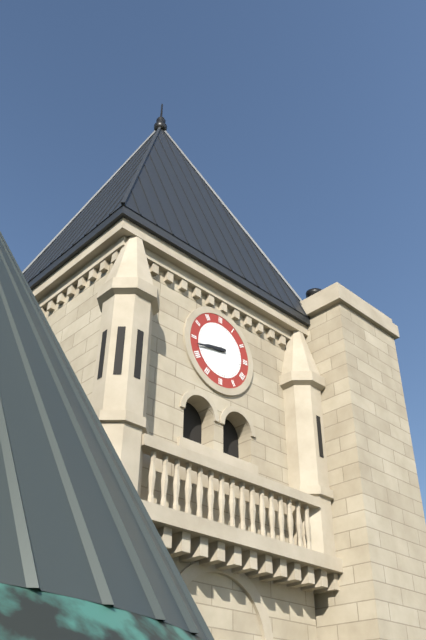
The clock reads **8:43**
